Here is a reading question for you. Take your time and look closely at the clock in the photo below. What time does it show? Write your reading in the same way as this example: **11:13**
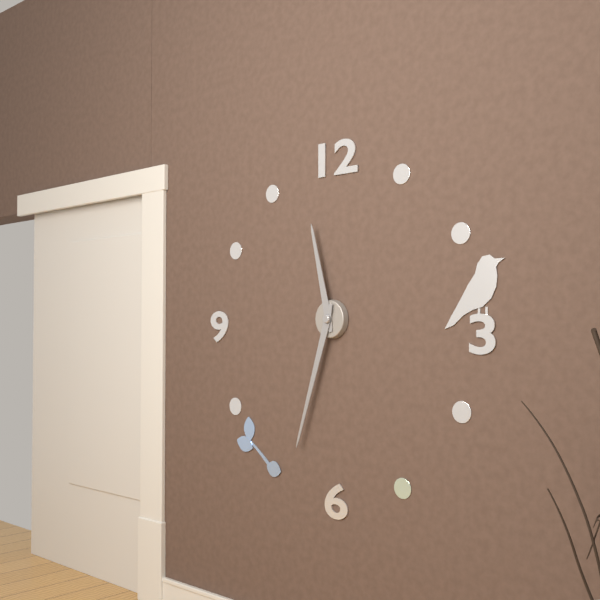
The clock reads **11:33**
